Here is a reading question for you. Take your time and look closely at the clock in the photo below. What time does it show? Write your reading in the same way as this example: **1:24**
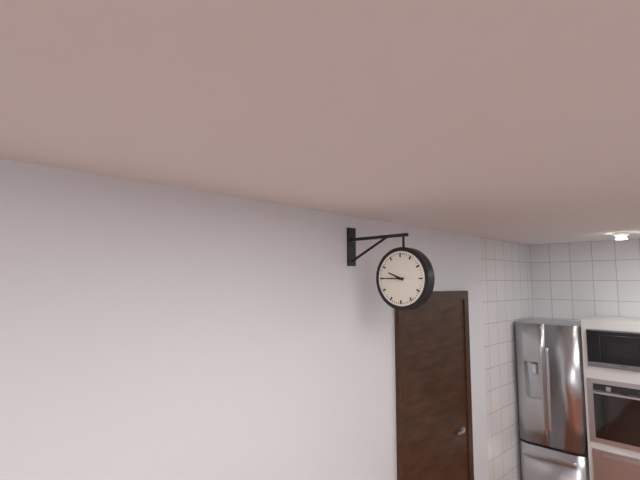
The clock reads **9:45**
